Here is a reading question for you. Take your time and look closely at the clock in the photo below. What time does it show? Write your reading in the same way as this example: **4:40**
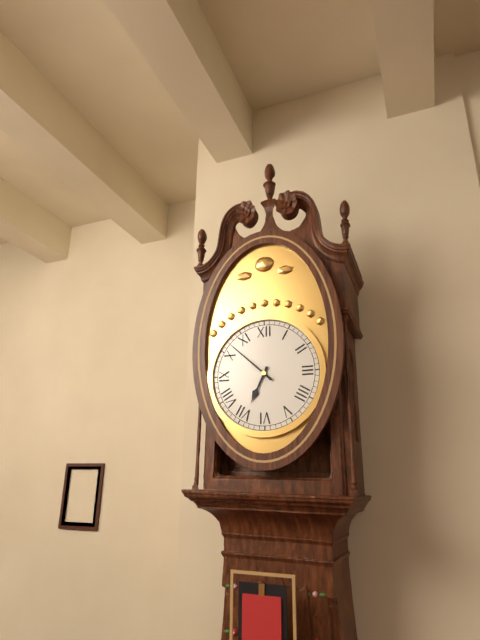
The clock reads **6:52**
